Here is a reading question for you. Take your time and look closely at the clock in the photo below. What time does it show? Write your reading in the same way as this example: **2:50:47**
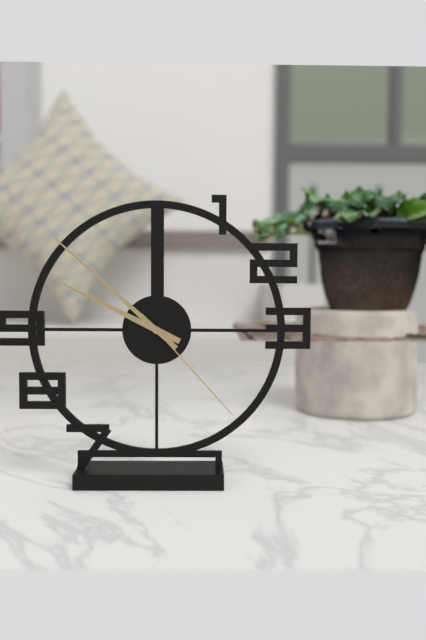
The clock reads **9:52:23**
